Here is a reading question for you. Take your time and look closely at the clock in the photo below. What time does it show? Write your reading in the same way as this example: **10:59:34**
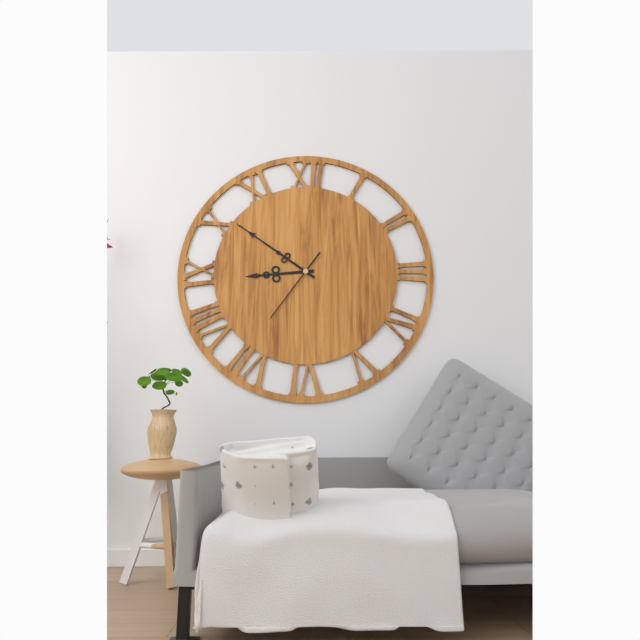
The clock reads **8:51:36**
